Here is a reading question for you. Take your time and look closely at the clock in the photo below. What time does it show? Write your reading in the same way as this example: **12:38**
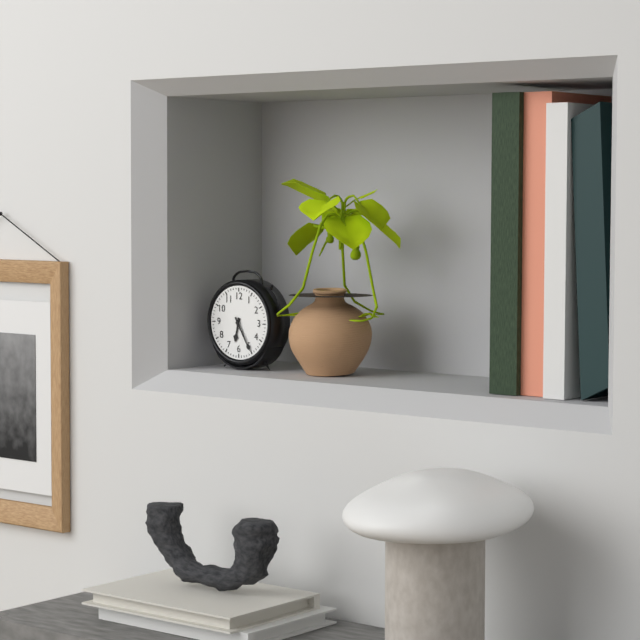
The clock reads **6:25**
